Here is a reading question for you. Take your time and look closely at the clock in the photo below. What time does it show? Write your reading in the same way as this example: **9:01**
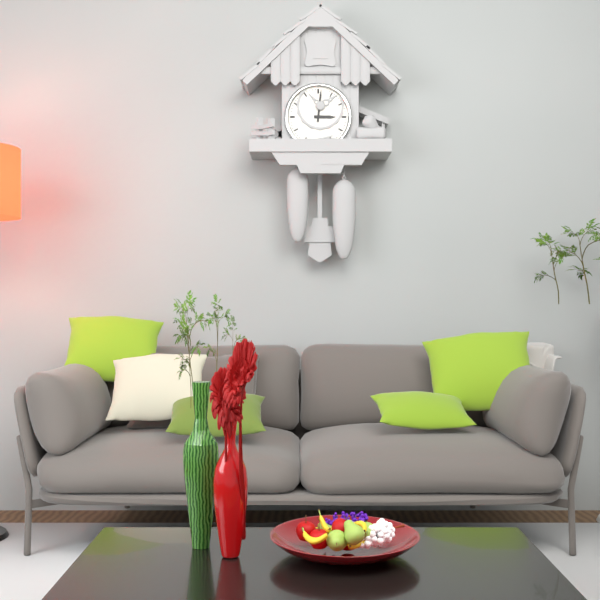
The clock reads **3:01**
